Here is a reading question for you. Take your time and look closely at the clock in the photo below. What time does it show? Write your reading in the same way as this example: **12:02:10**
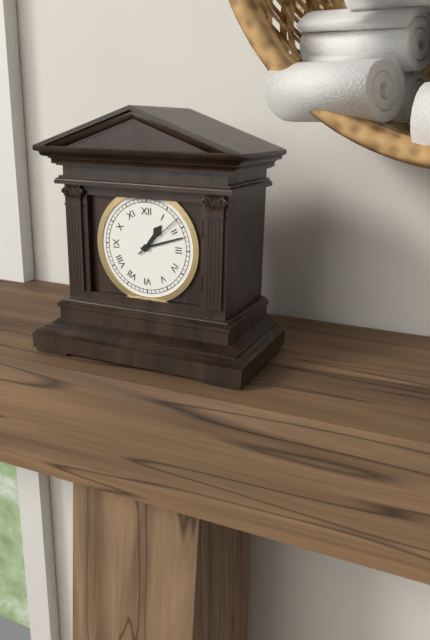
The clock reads **1:12:08**
